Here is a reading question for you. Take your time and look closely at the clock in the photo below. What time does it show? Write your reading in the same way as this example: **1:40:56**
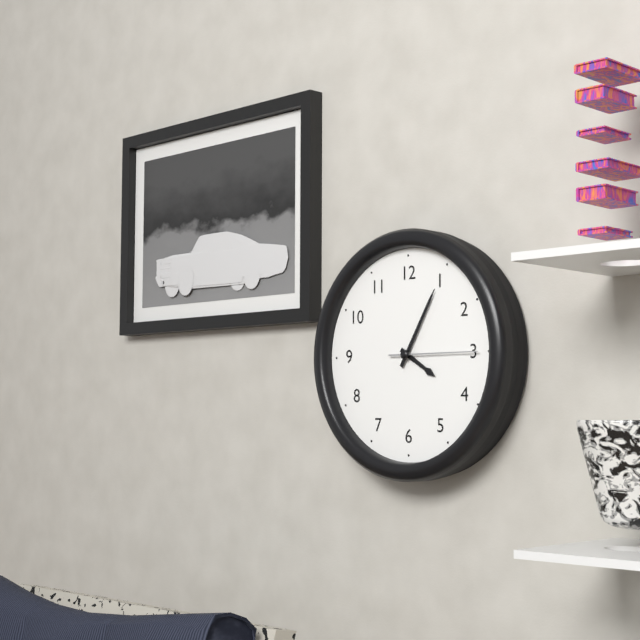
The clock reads **4:05:15**
